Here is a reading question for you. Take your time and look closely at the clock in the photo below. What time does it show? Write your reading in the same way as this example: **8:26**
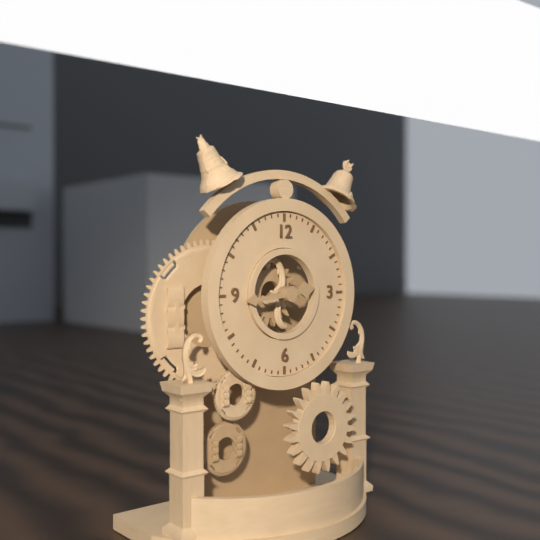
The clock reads **2:44**
